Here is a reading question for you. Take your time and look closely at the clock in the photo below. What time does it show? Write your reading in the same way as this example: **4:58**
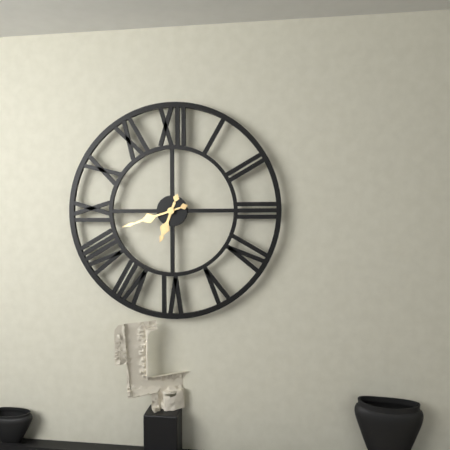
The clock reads **6:42**
